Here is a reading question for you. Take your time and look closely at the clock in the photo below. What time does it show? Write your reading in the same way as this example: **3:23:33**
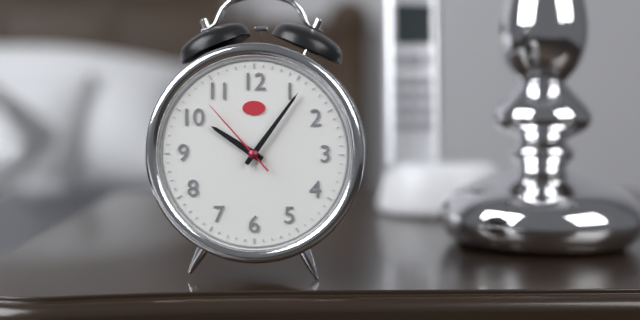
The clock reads **10:06:53**
